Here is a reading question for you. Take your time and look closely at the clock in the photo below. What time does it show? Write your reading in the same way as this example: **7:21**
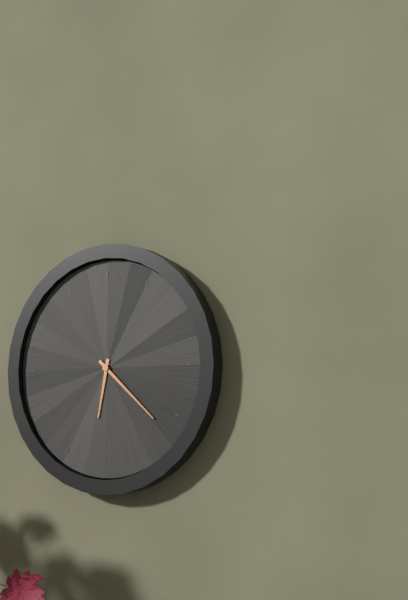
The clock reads **6:22**
